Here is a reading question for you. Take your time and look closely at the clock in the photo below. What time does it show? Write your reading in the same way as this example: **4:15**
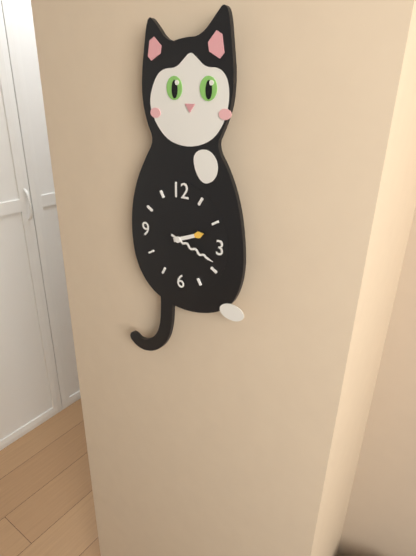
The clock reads **2:18**
